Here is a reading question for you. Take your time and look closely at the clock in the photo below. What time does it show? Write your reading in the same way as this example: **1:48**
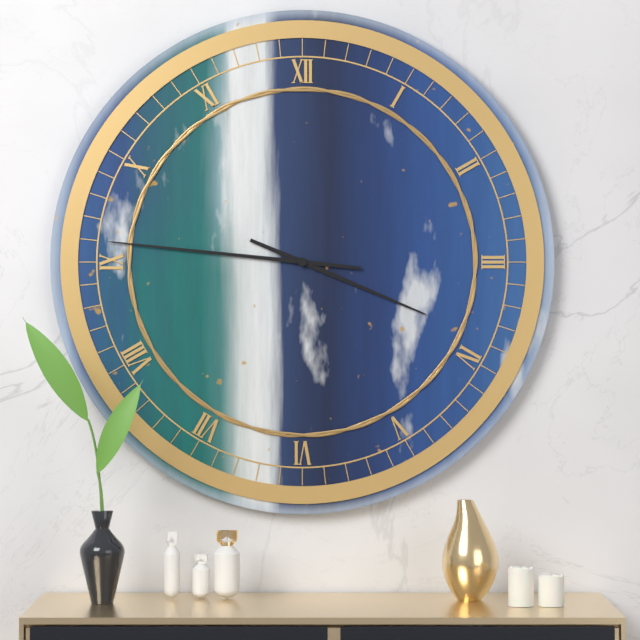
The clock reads **3:46**
